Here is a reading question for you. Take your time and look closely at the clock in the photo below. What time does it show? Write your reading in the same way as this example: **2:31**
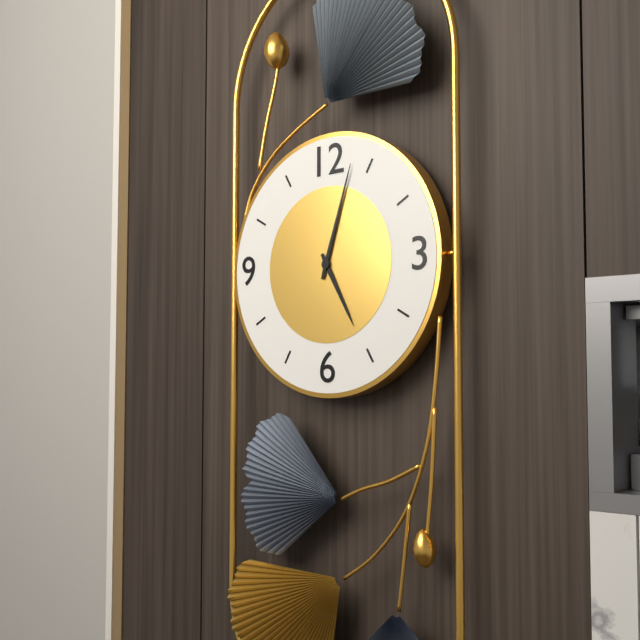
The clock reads **5:03**
